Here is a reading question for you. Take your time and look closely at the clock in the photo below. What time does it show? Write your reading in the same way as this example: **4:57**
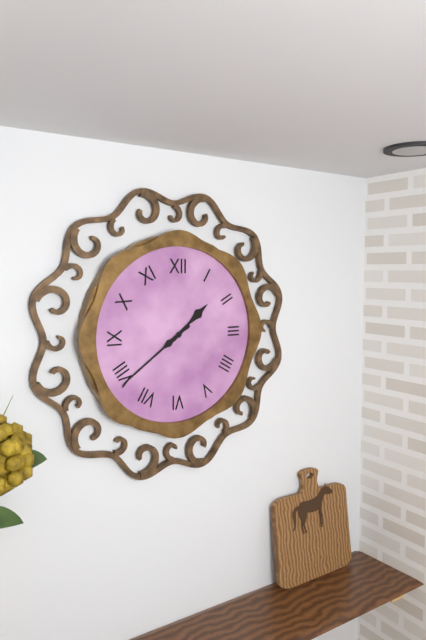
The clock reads **1:39**
